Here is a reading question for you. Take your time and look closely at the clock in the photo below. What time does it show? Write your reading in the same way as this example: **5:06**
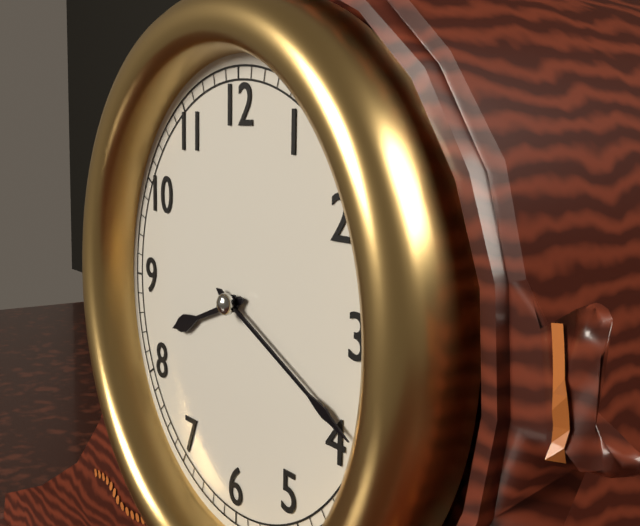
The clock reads **8:19**
